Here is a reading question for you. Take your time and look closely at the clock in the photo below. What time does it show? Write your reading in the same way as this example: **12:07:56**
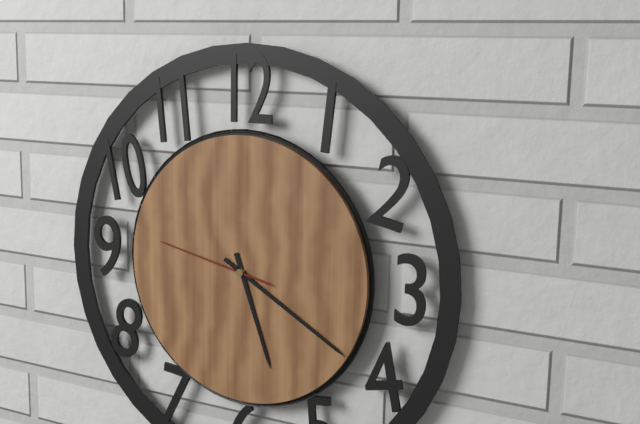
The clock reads **5:20:47**
